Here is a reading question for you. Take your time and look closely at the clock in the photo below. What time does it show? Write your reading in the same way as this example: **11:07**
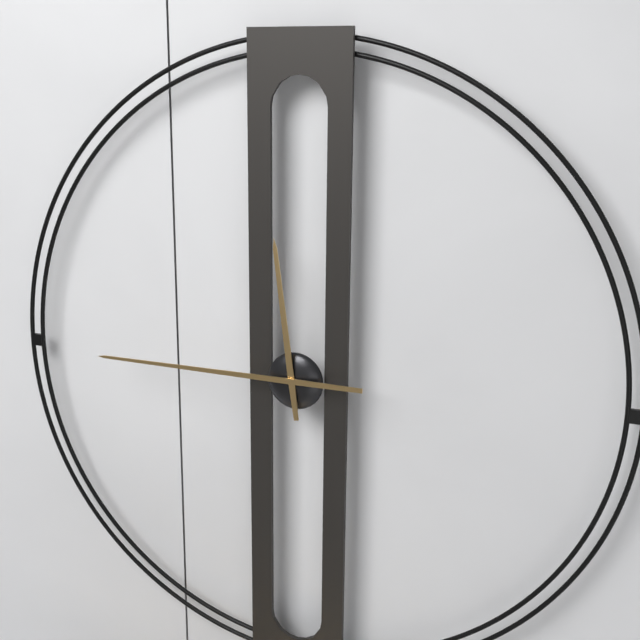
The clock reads **11:45**
